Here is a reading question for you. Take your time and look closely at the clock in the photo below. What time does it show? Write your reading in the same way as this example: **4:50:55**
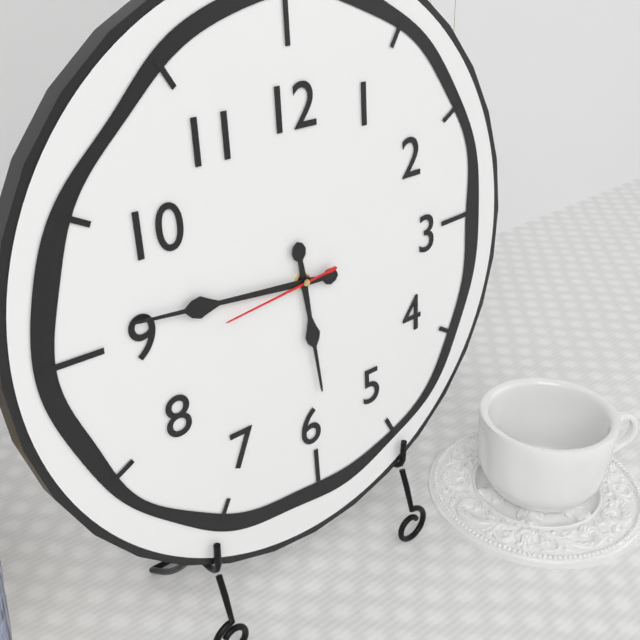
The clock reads **5:46:44**
